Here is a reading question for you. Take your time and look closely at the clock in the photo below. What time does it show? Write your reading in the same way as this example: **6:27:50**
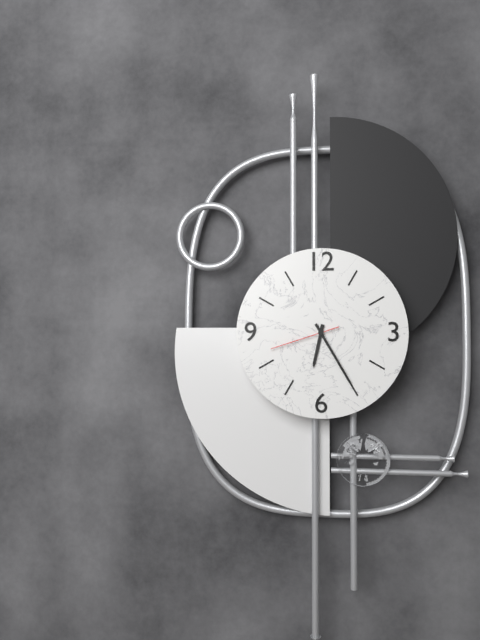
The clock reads **6:25:42**
